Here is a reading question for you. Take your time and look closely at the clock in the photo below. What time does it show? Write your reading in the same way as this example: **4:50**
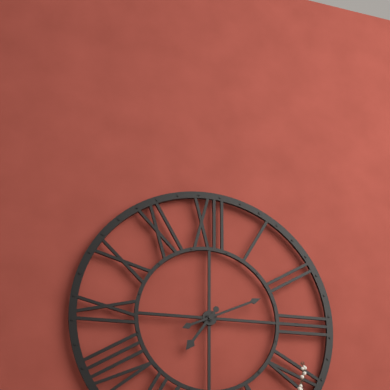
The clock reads **7:11**
